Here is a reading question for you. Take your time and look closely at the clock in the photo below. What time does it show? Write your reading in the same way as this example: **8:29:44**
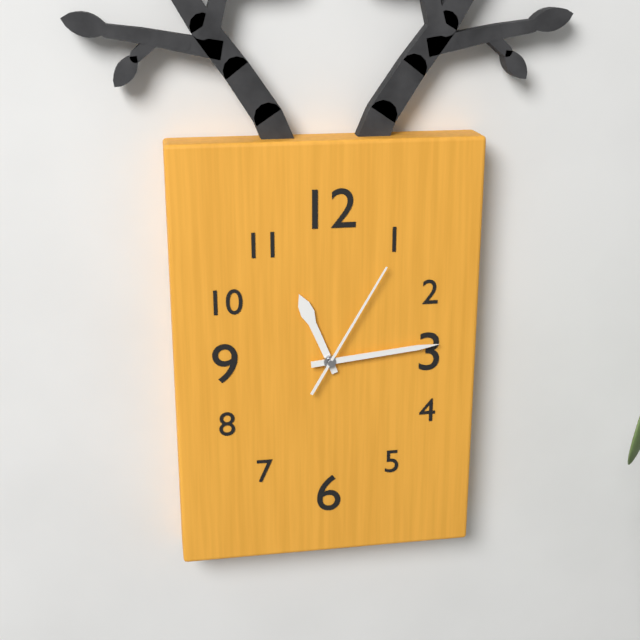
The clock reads **11:14:05**
